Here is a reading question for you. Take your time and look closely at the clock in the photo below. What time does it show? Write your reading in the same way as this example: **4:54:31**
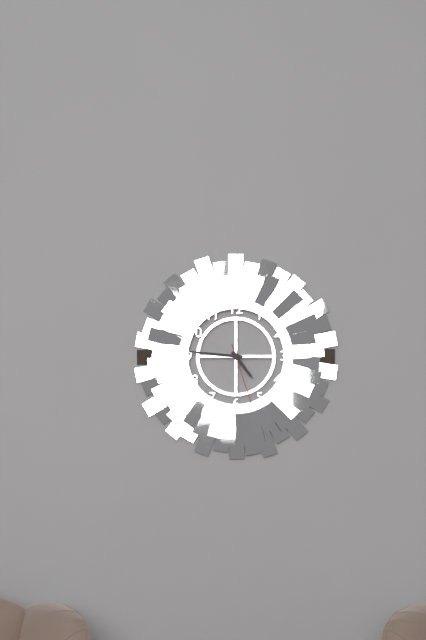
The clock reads **4:46:27**
